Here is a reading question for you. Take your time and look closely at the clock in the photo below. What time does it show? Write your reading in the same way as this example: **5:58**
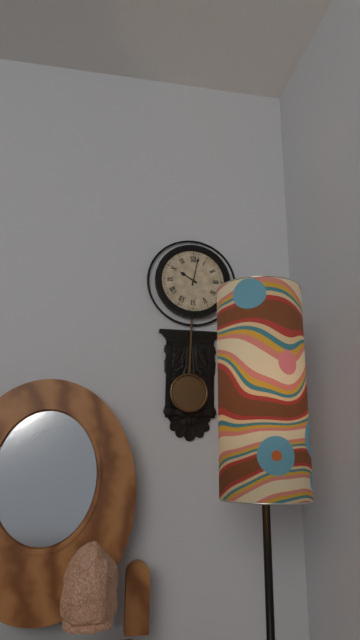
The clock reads **10:02**
